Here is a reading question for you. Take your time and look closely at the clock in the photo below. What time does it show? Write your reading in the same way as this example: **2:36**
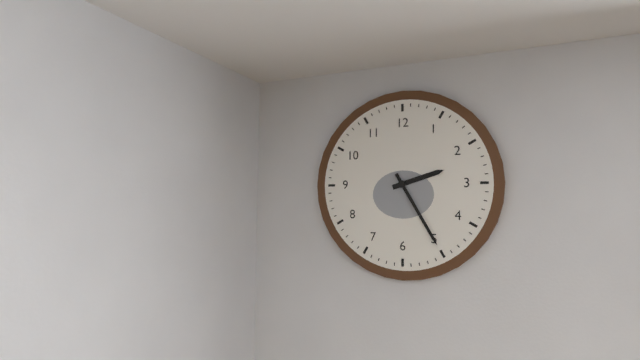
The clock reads **2:25**
